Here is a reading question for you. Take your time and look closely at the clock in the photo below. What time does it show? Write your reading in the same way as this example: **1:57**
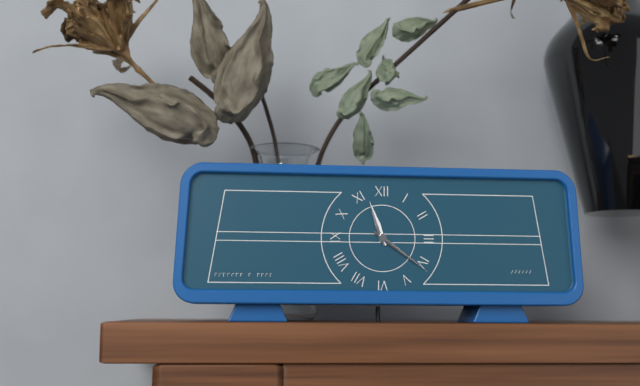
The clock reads **11:21**
